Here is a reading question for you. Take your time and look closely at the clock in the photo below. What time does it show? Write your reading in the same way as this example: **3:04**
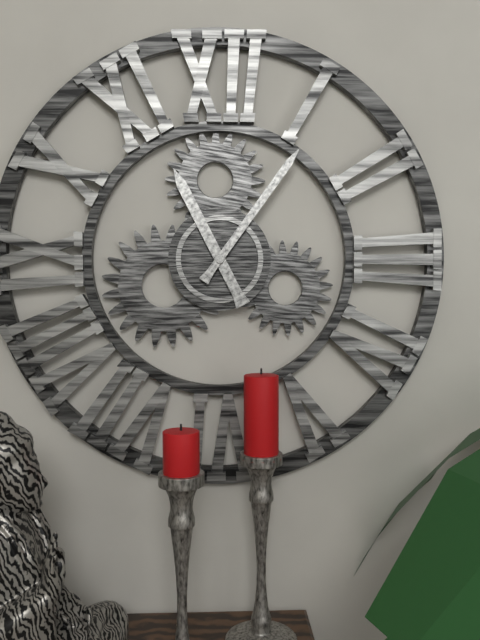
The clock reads **11:06**
